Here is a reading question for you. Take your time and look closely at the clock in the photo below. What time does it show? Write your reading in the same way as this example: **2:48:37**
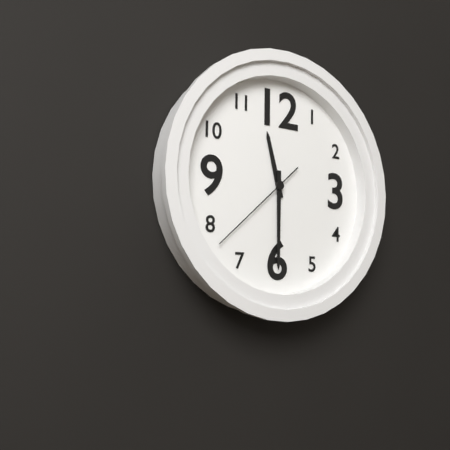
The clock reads **11:30:38**
